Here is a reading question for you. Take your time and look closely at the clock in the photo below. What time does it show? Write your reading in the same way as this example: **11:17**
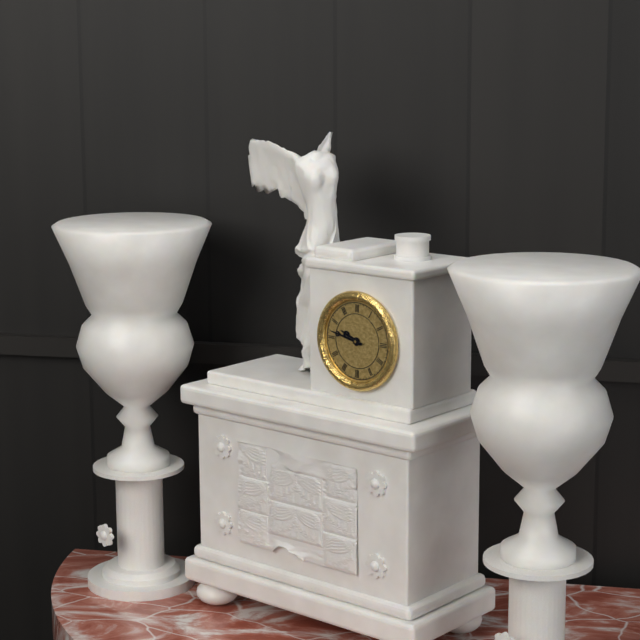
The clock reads **9:47**
